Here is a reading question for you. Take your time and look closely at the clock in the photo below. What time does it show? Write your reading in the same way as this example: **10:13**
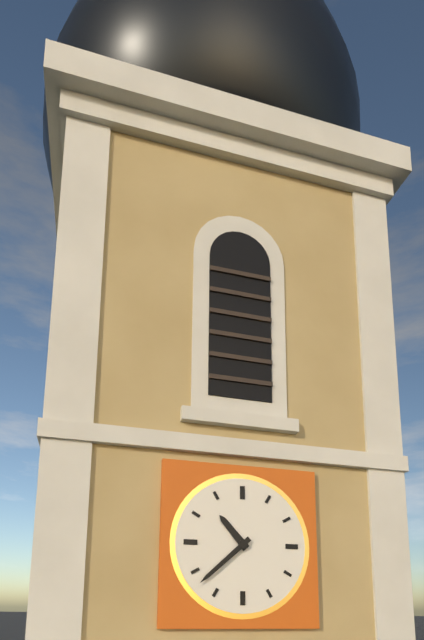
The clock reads **10:38**
